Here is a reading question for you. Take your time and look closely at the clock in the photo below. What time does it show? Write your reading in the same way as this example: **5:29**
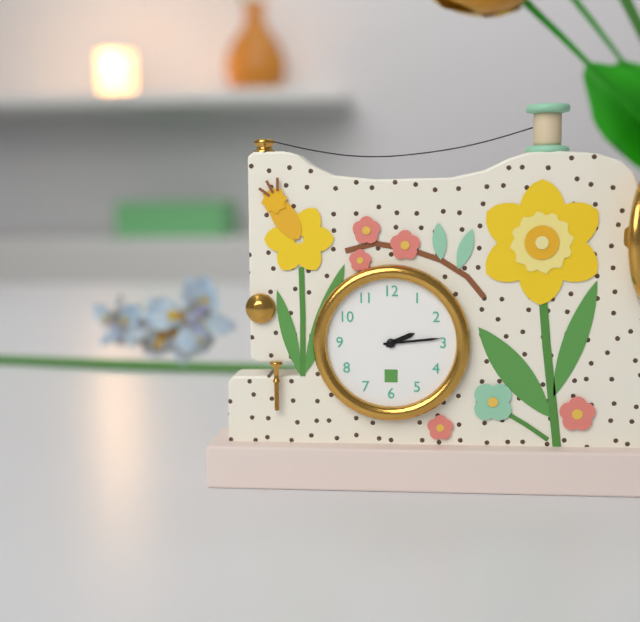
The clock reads **2:14**
